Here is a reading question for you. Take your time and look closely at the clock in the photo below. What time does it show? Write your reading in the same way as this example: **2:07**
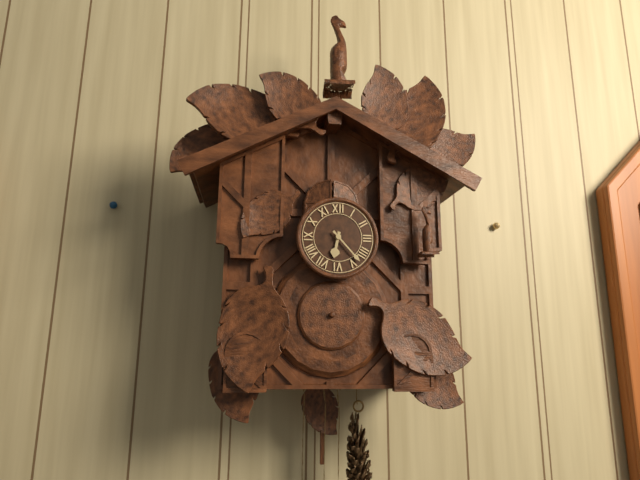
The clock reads **6:23**
